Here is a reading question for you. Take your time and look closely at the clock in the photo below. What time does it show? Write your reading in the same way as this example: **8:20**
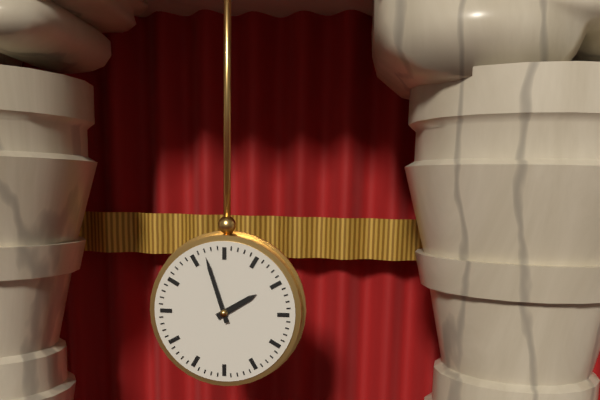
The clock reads **1:57**
